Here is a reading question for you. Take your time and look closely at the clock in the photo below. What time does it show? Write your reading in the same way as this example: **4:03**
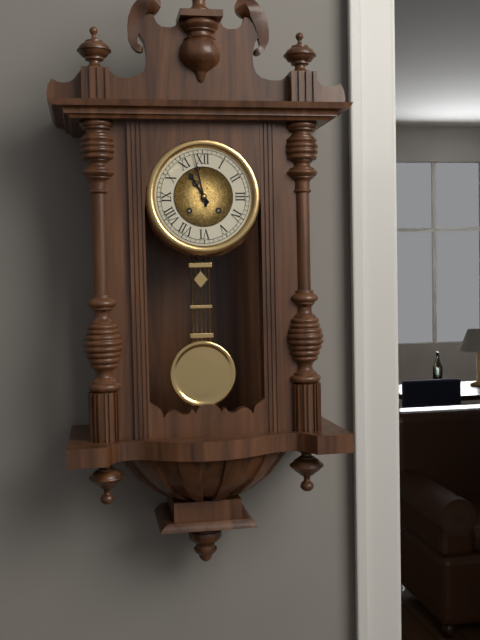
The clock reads **10:58**
